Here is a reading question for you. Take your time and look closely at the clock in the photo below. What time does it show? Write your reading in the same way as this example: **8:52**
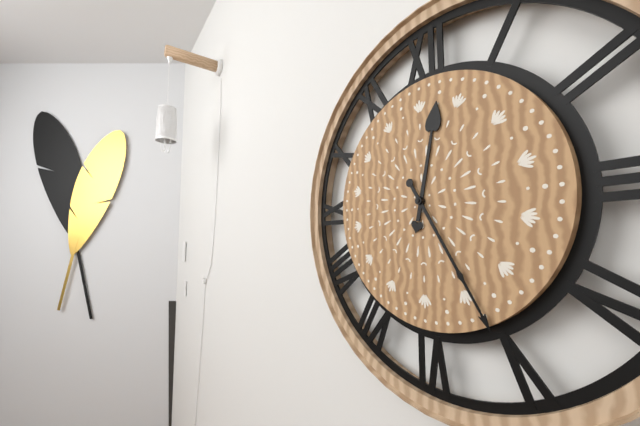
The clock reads **12:25**
